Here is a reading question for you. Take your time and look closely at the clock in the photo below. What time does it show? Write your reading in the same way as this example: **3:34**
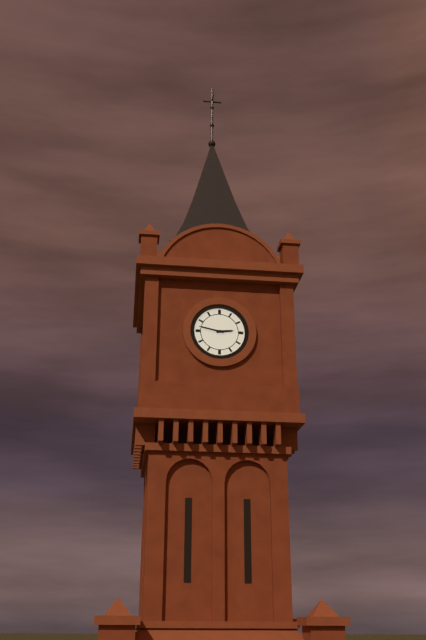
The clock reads **2:47**
